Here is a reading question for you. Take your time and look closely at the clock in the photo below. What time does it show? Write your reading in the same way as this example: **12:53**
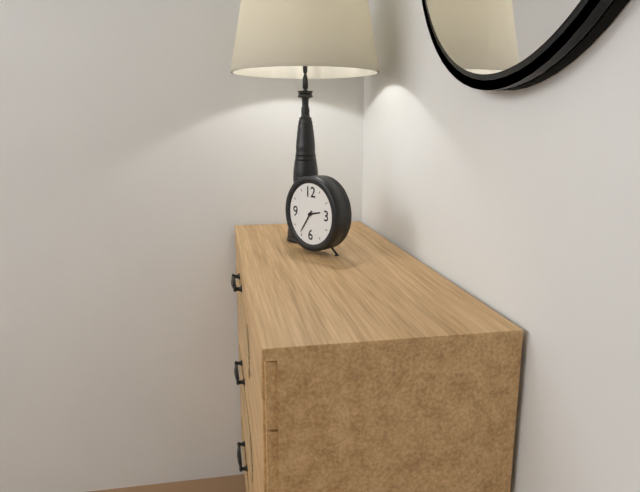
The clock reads **2:36**
